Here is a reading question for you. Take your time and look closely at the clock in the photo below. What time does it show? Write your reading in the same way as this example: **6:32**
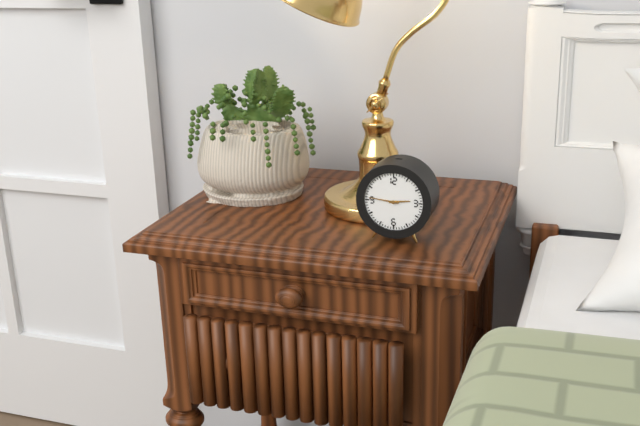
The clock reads **2:46**
